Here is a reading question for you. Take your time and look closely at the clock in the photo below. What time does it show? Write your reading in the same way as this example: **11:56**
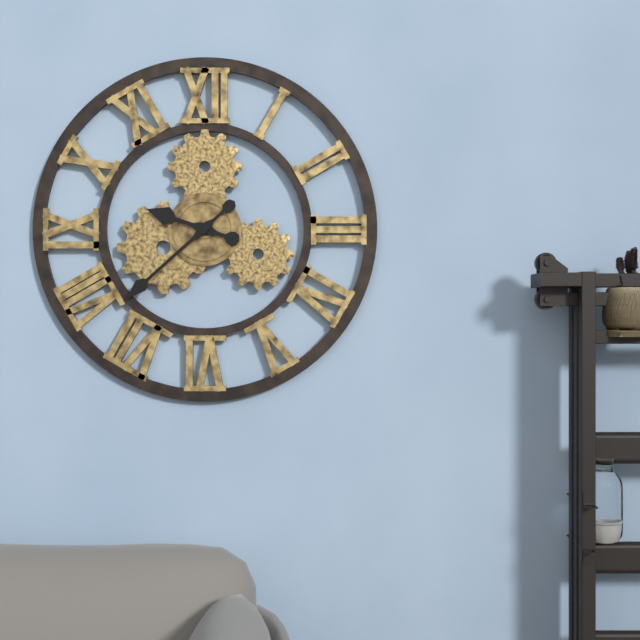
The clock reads **9:38**
